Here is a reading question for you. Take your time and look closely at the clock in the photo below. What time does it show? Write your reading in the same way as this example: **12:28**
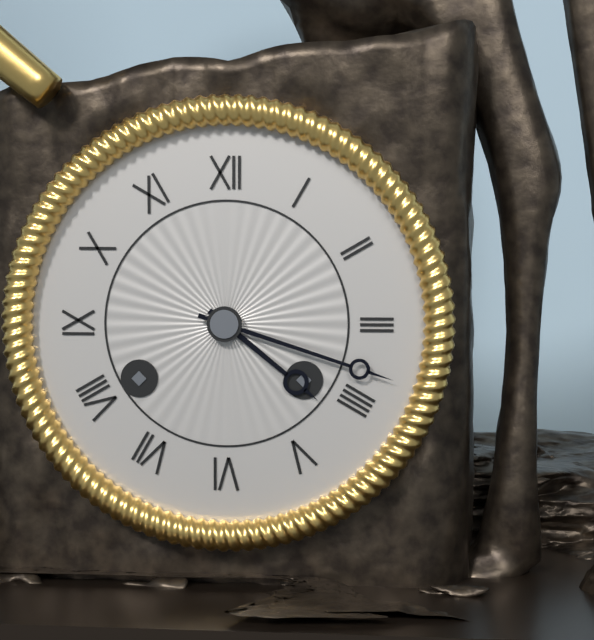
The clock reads **4:18**
